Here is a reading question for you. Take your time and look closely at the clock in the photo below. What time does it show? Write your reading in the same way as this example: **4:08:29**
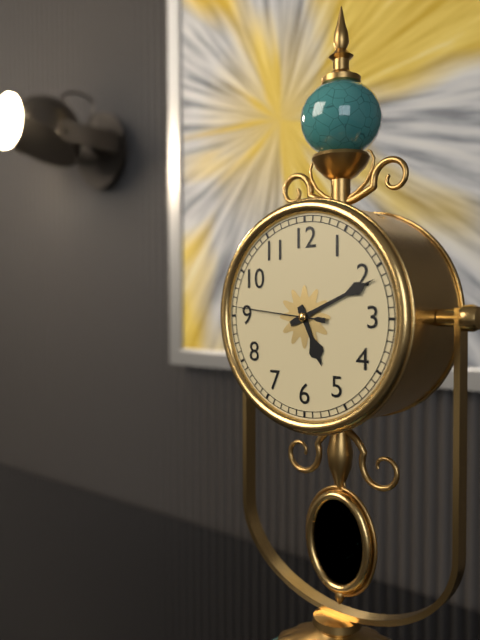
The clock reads **5:11:46**
